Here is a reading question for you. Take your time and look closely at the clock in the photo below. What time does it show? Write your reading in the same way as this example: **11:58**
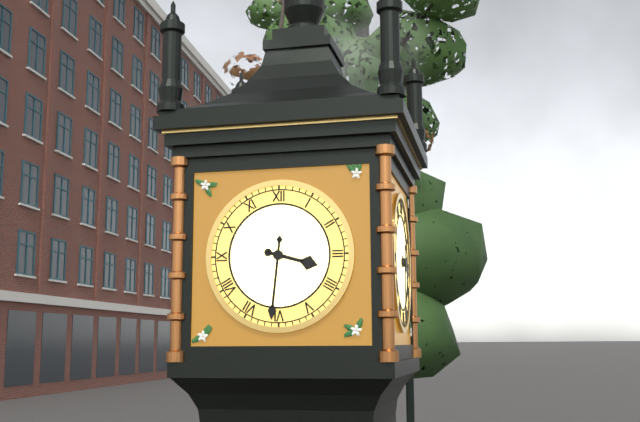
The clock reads **3:31**
